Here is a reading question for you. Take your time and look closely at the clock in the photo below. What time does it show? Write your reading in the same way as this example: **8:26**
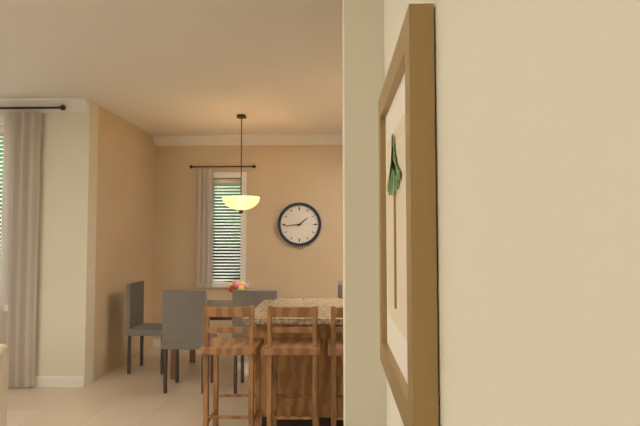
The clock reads **1:44**
